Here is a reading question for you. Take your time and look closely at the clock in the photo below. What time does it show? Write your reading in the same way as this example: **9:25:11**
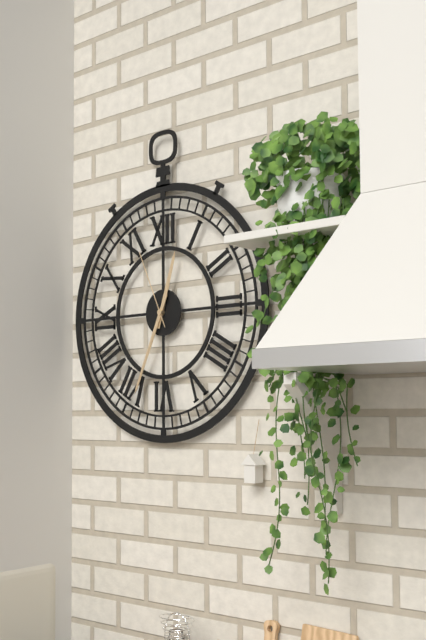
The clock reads **12:34:56**
